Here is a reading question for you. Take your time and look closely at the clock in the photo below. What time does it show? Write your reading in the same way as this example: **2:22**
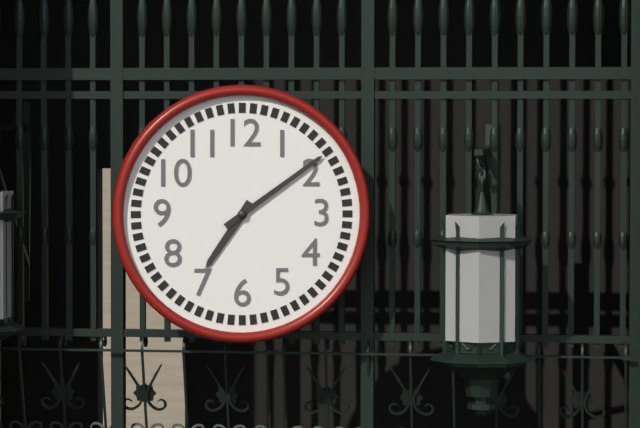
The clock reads **7:09**
